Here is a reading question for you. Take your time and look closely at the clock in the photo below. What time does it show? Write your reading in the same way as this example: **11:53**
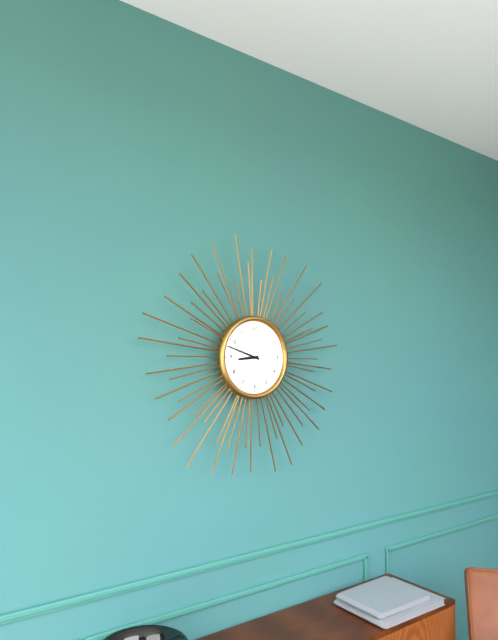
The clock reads **8:48**
